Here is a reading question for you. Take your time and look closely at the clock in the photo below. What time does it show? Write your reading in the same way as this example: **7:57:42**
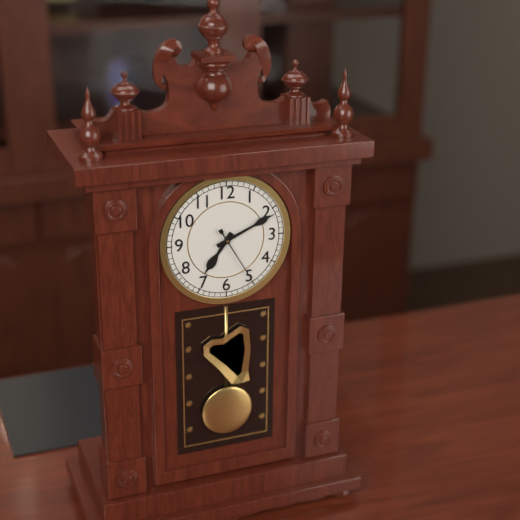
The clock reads **7:11:25**
